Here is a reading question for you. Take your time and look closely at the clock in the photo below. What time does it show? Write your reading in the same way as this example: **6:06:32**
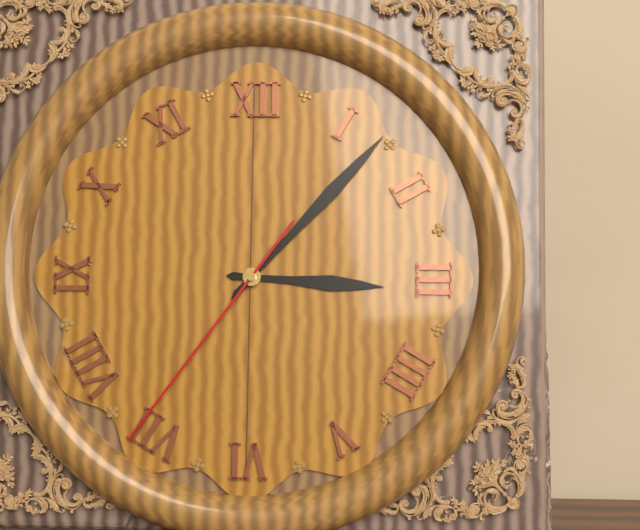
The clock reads **3:07:36**
